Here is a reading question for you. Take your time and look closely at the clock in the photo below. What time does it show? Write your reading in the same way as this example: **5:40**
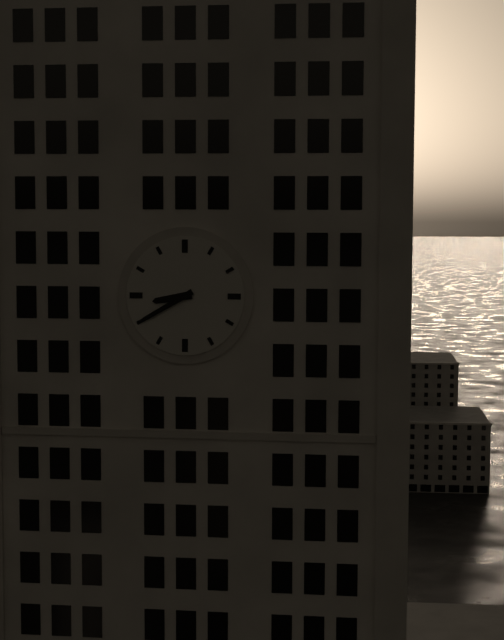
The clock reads **8:40**
